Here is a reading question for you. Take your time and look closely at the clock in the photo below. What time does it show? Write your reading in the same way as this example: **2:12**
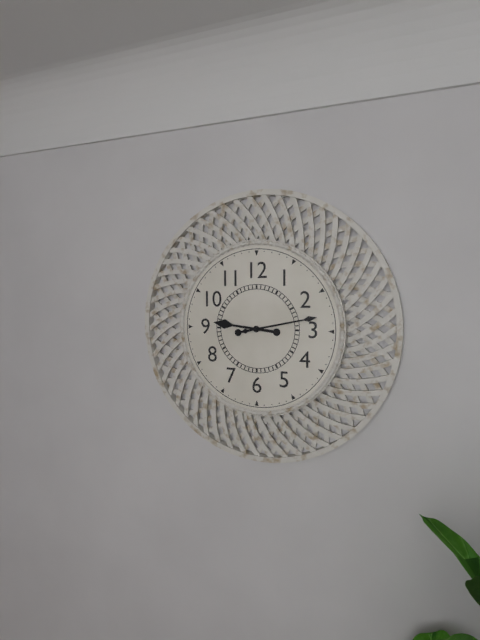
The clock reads **9:13**
